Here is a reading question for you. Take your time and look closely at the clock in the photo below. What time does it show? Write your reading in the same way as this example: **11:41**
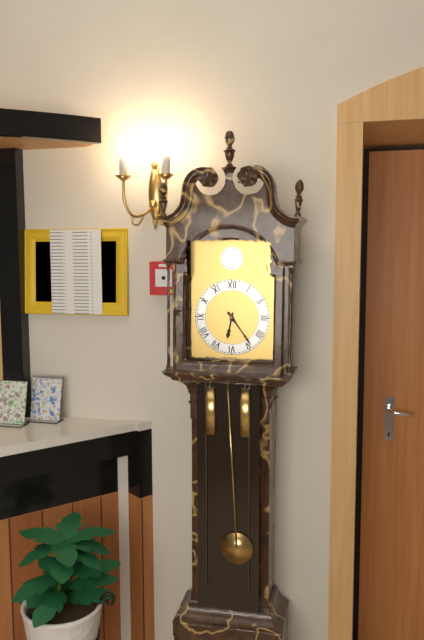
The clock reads **6:24**
